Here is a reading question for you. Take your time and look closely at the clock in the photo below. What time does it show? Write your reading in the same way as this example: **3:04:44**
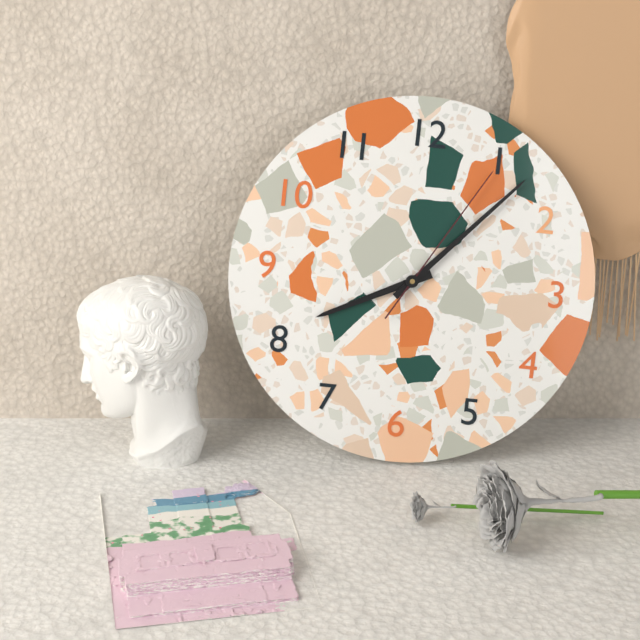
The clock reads **8:07:05**
